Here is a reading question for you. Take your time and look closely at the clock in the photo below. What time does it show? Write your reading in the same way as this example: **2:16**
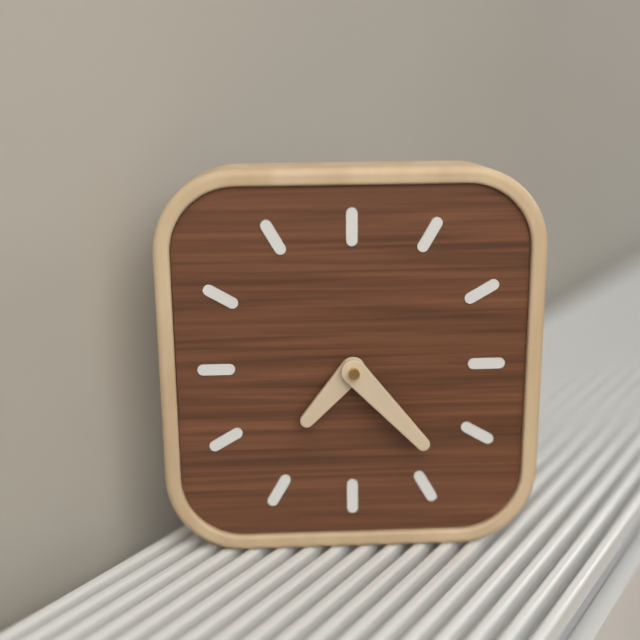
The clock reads **7:23**
